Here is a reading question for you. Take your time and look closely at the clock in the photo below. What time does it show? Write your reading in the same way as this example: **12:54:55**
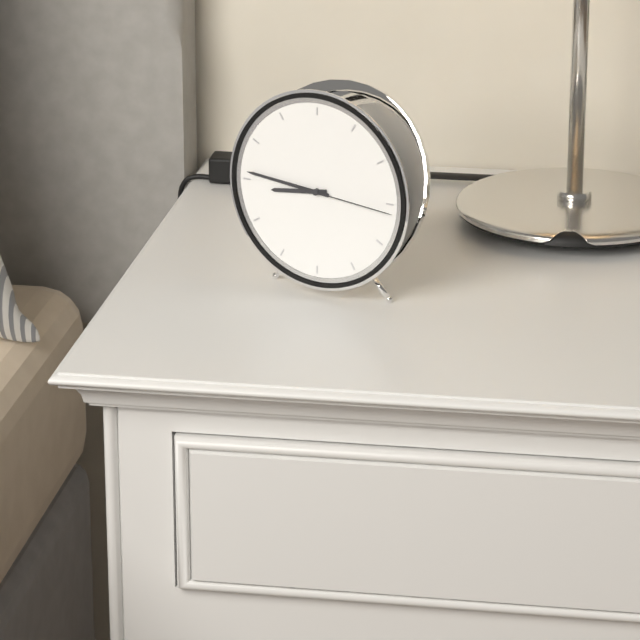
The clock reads **8:46:16**
